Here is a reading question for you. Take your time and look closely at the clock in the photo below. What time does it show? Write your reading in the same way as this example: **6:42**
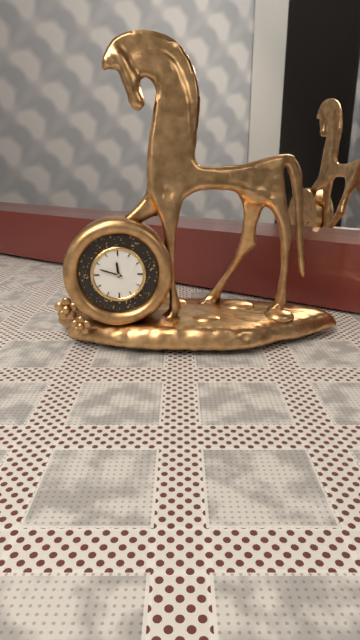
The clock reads **11:48**
